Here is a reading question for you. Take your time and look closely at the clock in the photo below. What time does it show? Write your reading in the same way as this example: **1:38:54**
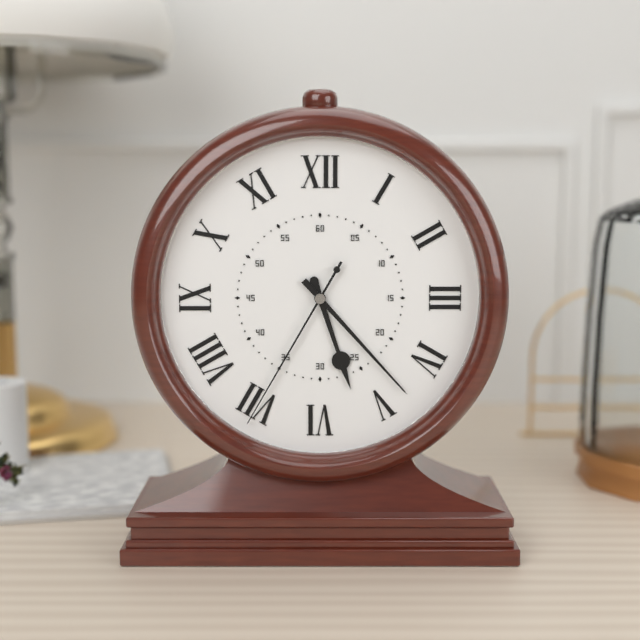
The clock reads **5:23:35**
